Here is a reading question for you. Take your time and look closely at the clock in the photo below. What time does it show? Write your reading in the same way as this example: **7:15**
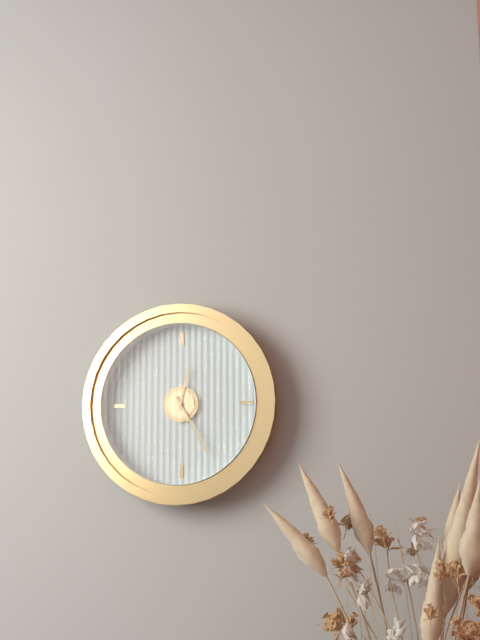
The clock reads **12:25**
